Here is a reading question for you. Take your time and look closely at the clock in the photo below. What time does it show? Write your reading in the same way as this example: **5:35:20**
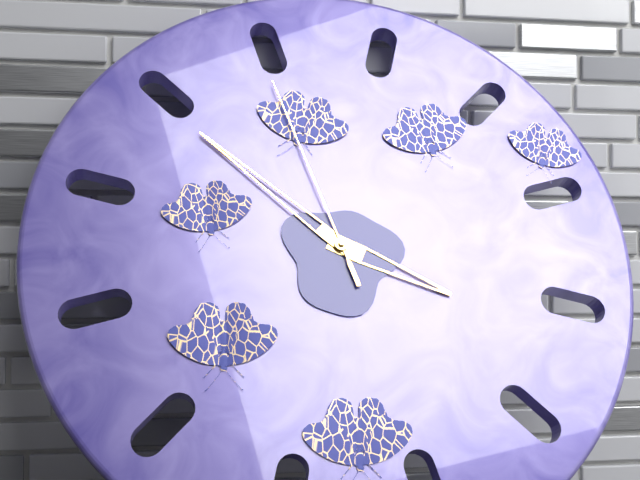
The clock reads **3:52:57**
